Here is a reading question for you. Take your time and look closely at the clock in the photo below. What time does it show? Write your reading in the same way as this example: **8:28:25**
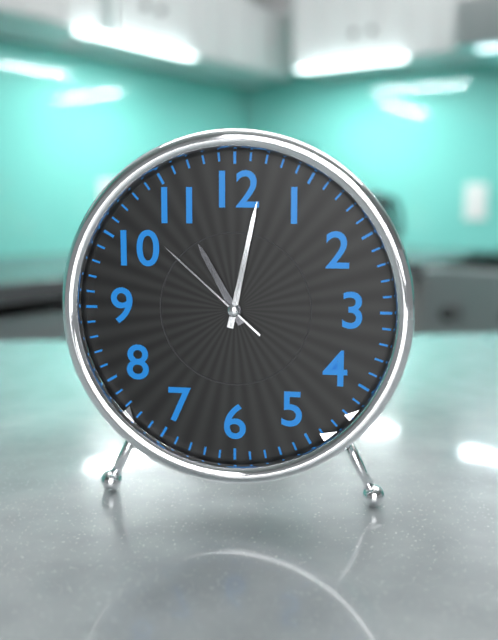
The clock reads **11:02:52**
